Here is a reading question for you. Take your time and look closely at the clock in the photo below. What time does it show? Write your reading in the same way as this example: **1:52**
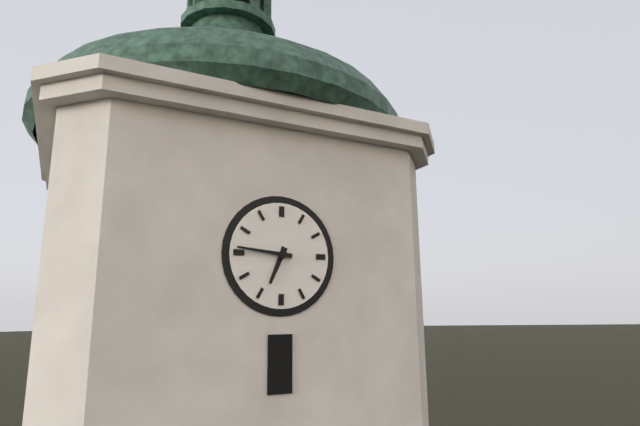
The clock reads **6:46**
